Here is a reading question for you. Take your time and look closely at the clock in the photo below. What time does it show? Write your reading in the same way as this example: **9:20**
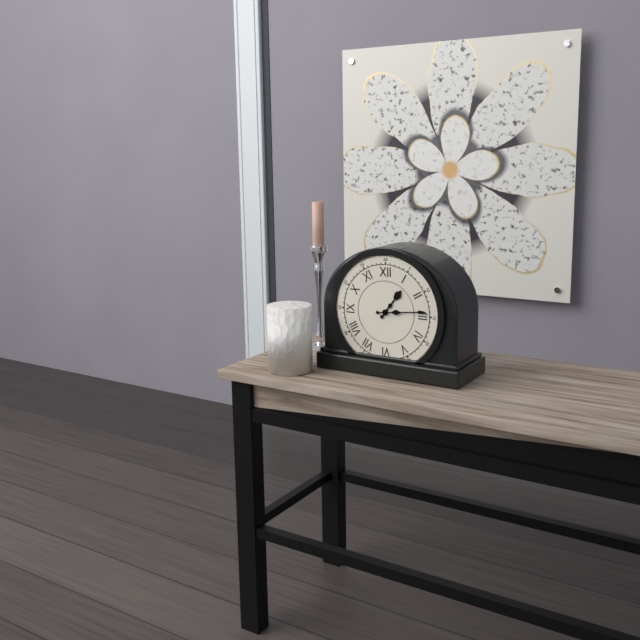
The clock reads **1:14**
